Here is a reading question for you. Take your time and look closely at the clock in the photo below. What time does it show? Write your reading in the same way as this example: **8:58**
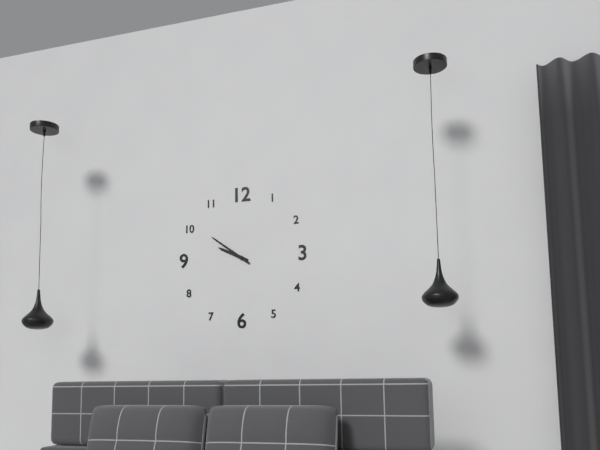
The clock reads **9:51**
